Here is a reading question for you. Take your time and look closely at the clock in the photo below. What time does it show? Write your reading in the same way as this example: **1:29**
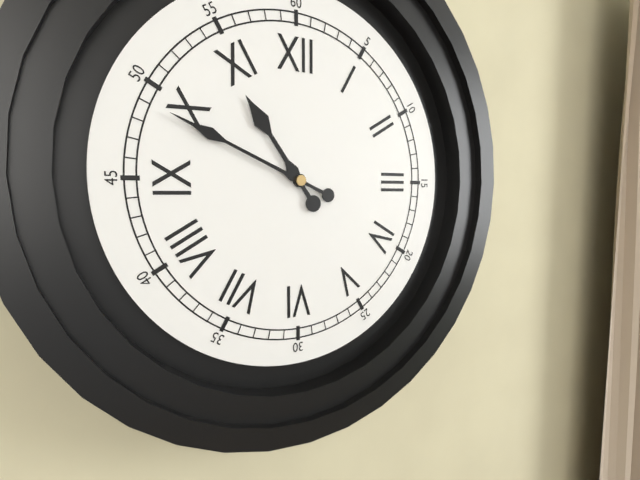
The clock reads **10:49**
